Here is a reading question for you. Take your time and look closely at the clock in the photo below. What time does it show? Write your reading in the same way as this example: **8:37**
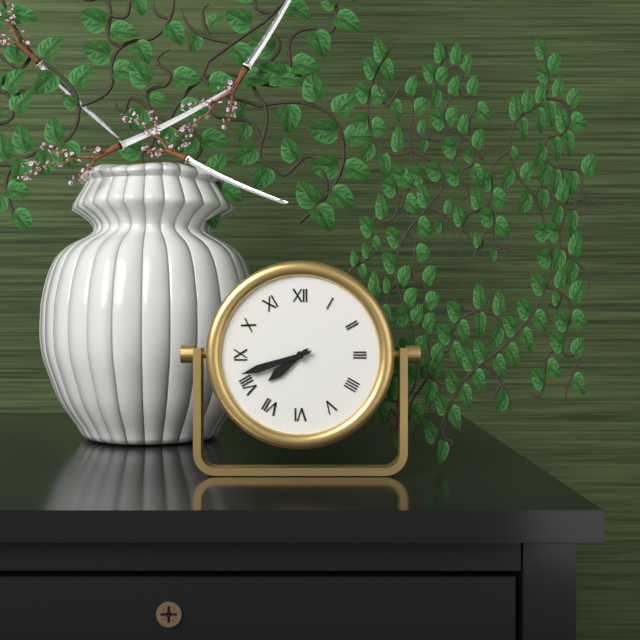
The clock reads **7:42**
